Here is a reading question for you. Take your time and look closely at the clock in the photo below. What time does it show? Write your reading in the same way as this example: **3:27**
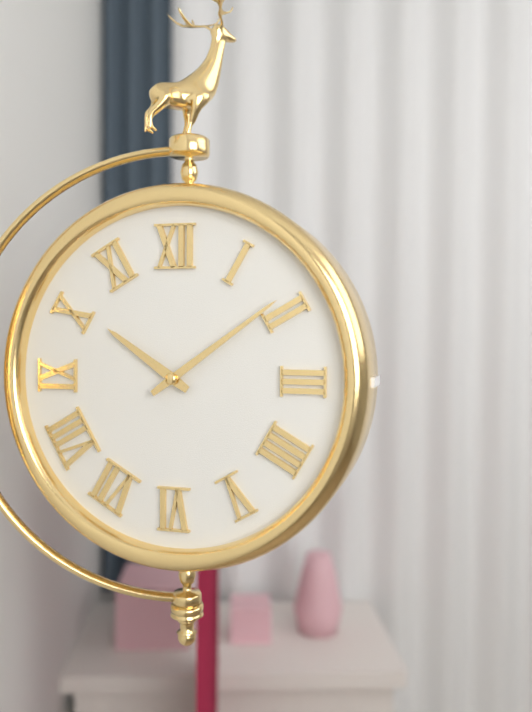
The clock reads **10:09**
